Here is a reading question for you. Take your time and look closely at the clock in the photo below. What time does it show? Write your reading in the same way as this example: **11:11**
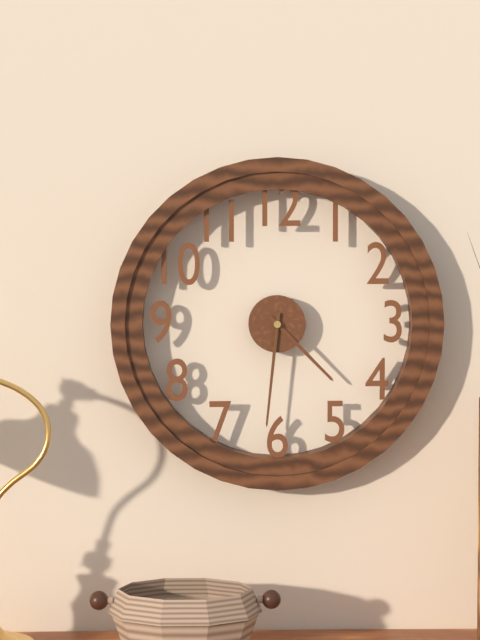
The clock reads **4:31**
